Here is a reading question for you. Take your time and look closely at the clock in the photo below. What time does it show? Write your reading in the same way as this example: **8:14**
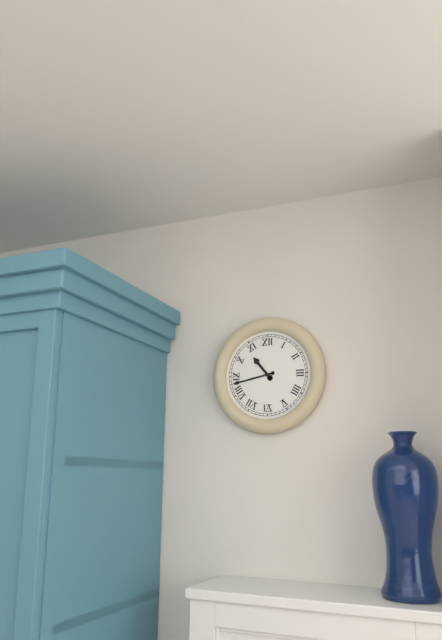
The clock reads **10:43**
